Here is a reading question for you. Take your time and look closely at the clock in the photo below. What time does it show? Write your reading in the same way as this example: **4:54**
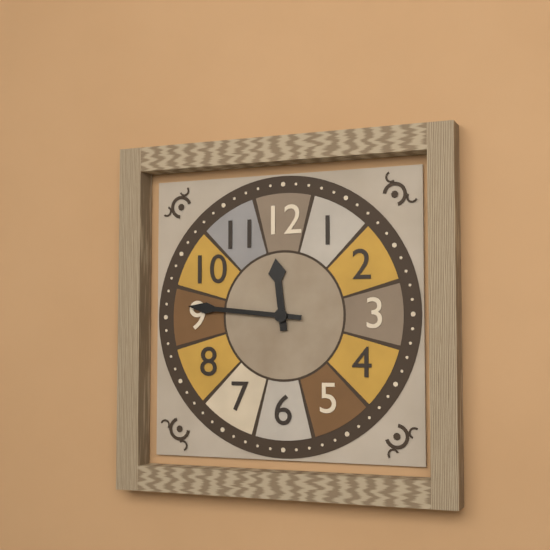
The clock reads **11:46**
